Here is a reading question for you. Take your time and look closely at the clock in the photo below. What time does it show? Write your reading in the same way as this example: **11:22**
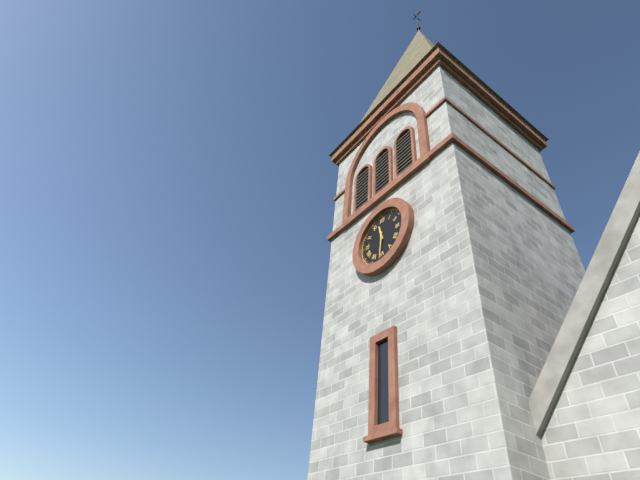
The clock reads **11:31**
